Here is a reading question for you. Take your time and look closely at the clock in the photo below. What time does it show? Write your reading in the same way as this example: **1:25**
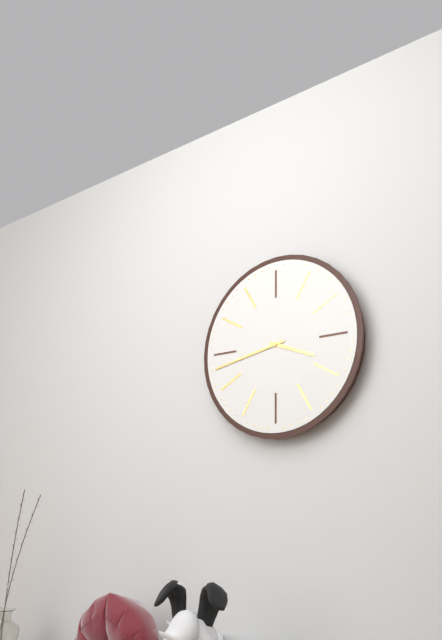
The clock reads **3:43**
